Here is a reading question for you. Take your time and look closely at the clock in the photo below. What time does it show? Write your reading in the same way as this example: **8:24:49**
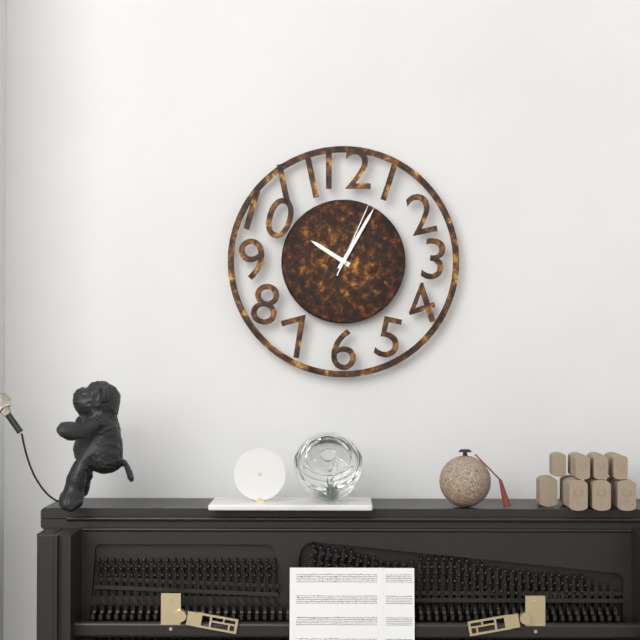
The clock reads **10:05:04**
